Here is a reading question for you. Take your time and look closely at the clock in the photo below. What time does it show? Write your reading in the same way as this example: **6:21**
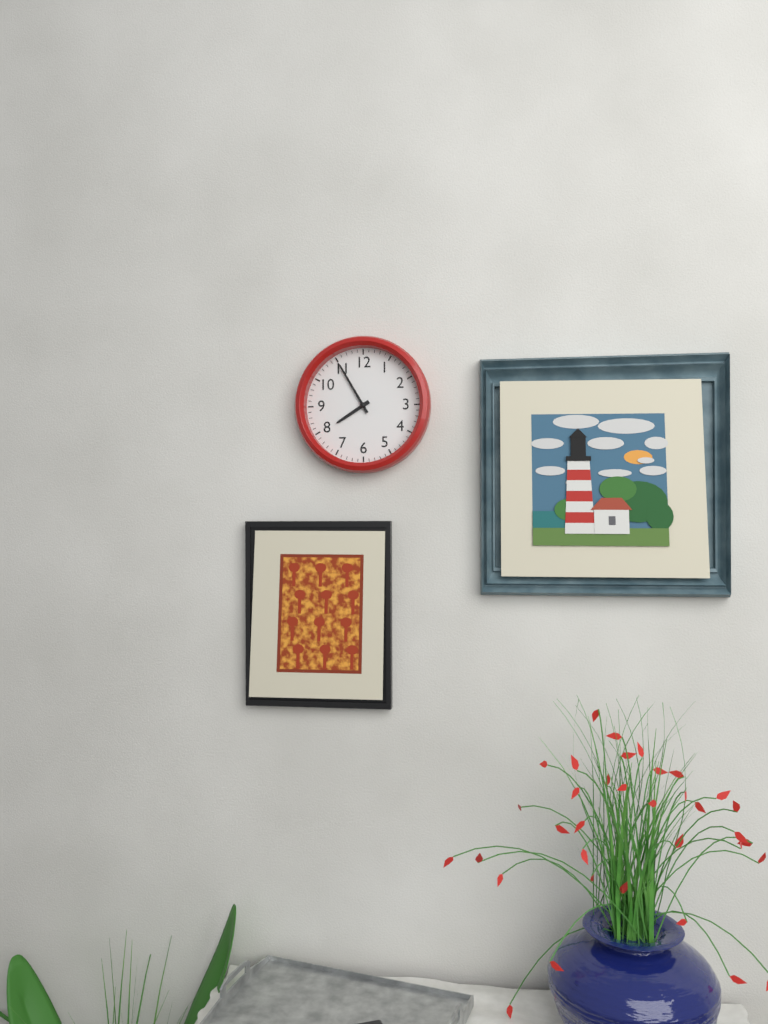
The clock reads **7:55**
